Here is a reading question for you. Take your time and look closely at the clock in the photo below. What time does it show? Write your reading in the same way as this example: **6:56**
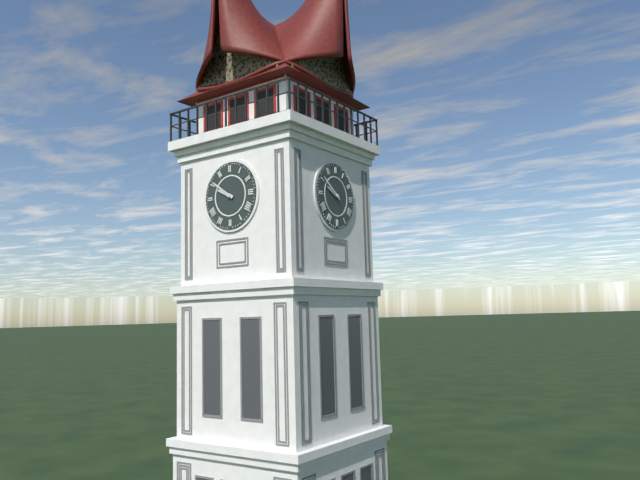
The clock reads **9:51**
